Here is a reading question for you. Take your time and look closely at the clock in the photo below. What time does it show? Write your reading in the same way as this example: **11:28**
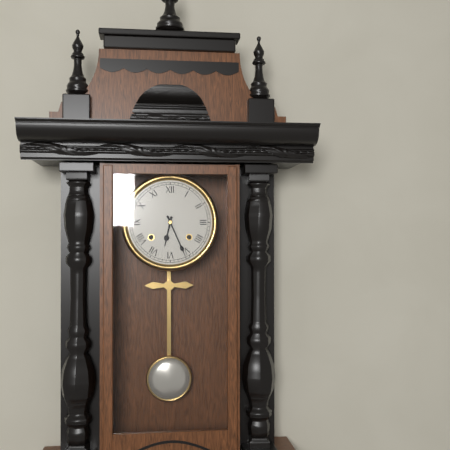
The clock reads **6:26**
